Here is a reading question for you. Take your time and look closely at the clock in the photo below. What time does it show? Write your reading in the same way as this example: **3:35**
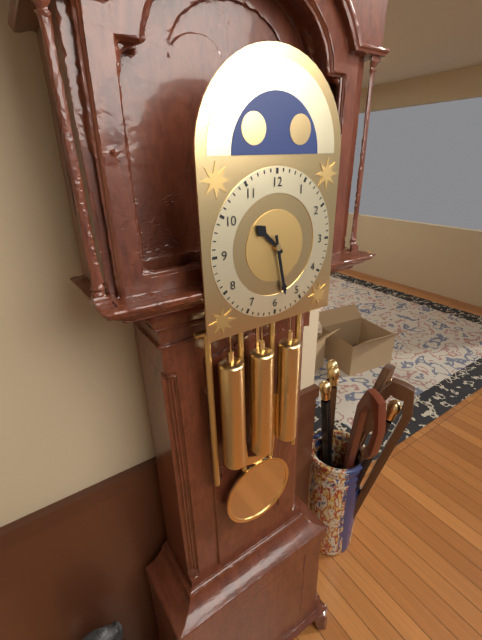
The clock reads **10:28**
